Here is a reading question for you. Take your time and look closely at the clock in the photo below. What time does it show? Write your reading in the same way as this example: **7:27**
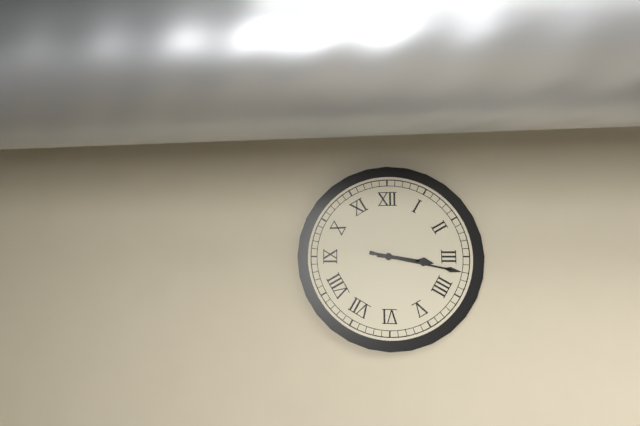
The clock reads **3:17**
